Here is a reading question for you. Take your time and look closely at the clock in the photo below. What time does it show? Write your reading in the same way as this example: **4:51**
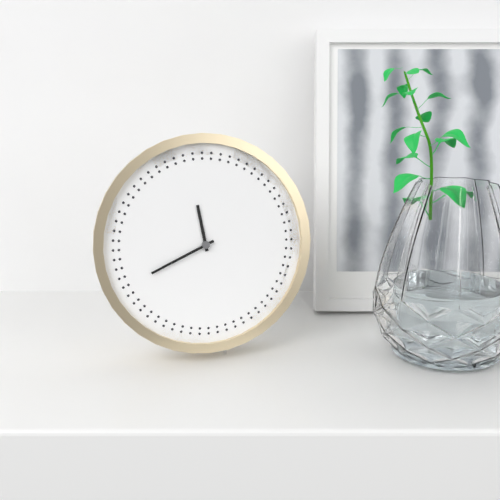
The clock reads **11:41**
